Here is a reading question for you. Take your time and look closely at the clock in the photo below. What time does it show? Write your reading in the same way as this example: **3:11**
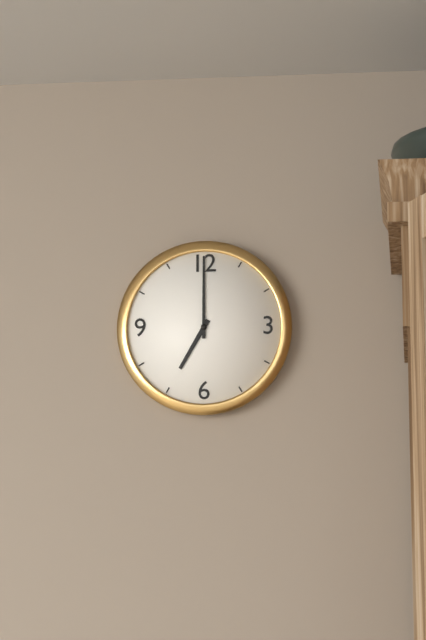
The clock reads **7:00**
